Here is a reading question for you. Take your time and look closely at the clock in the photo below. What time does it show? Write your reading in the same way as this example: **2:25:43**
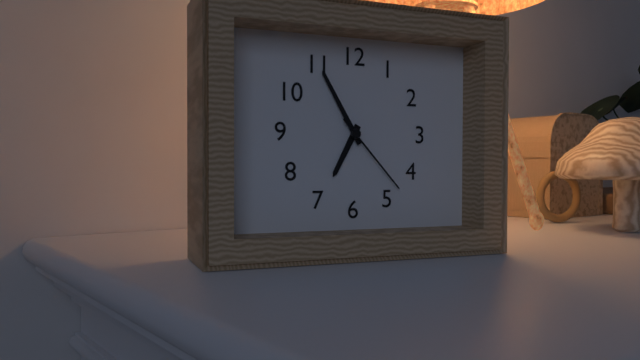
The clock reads **6:55:23**
